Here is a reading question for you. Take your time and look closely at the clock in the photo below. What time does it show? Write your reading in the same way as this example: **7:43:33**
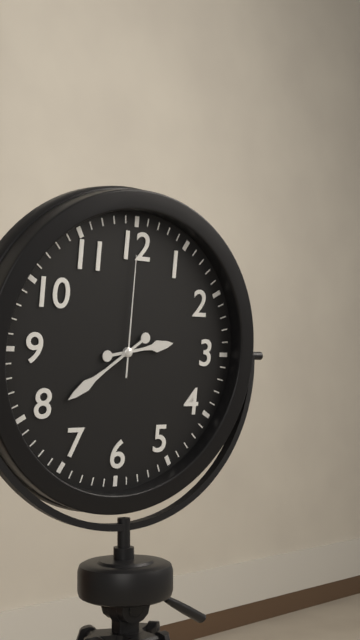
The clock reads **2:39:00**
